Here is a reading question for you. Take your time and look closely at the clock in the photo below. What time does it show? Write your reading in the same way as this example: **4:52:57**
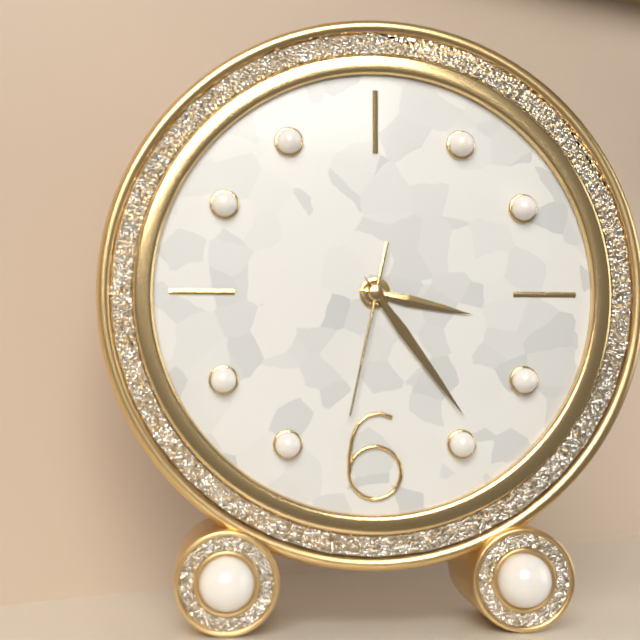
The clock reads **3:24:32**
